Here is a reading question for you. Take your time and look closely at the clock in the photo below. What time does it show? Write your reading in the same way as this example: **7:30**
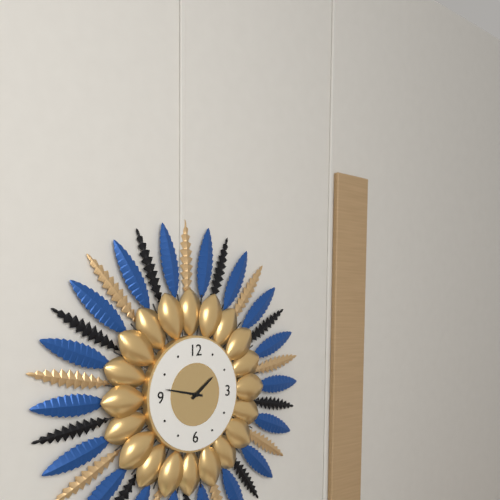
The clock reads **1:47**
